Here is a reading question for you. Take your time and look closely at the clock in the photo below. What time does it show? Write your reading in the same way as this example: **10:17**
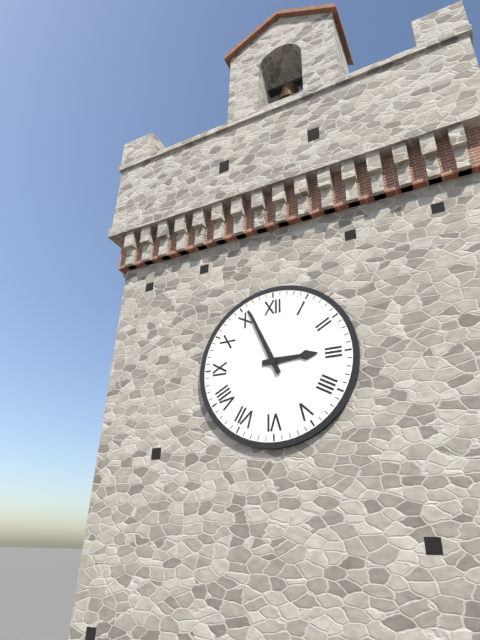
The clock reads **2:56**
